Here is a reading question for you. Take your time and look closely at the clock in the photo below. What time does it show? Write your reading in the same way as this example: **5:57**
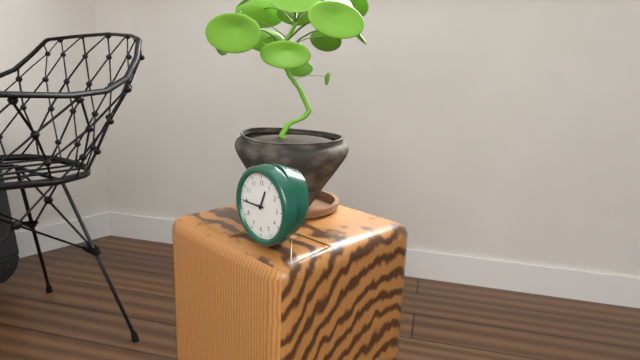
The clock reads **12:45**
